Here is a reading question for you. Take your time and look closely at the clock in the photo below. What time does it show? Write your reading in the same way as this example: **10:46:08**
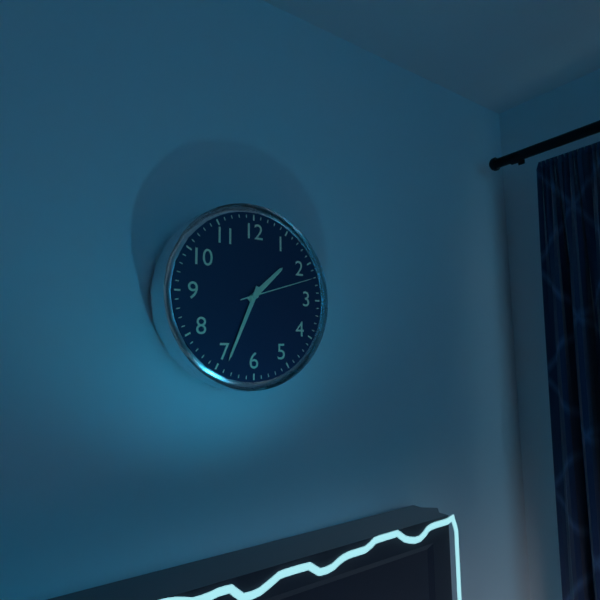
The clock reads **1:34:12**
